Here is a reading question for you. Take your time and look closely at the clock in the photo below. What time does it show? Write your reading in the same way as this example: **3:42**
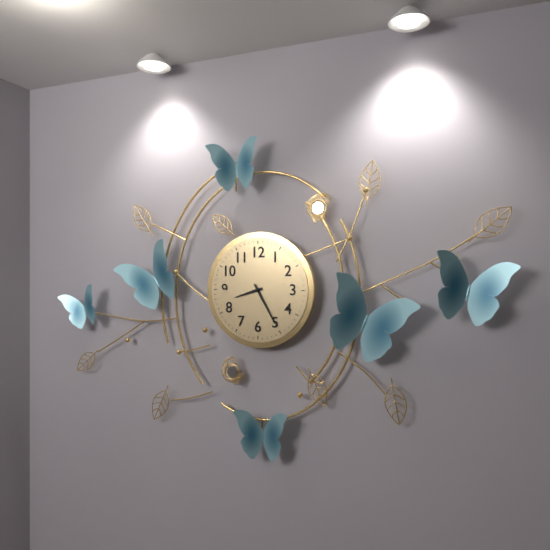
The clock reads **8:25**
